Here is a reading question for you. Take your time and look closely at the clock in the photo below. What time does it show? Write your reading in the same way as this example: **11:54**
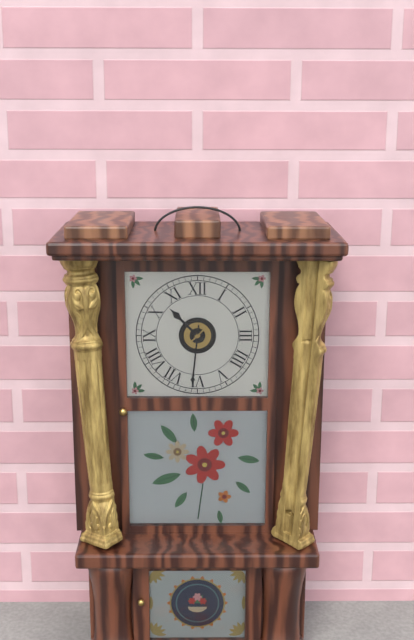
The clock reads **10:31**
